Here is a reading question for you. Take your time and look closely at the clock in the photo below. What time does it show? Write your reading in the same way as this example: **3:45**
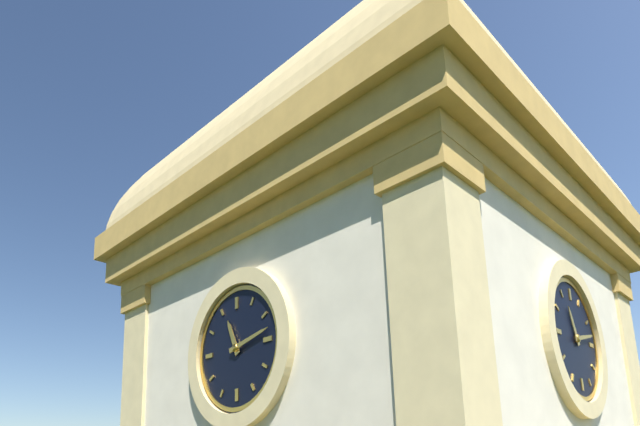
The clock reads **11:13**
